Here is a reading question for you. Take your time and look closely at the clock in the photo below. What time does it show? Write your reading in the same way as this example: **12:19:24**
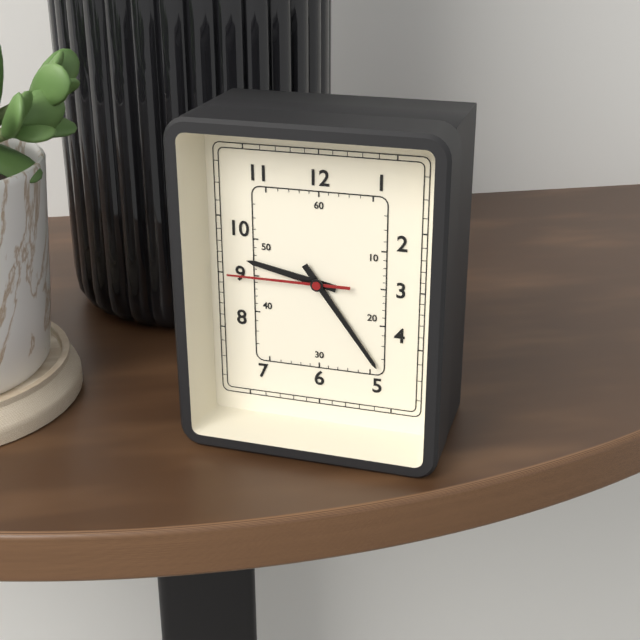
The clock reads **9:24:45**
